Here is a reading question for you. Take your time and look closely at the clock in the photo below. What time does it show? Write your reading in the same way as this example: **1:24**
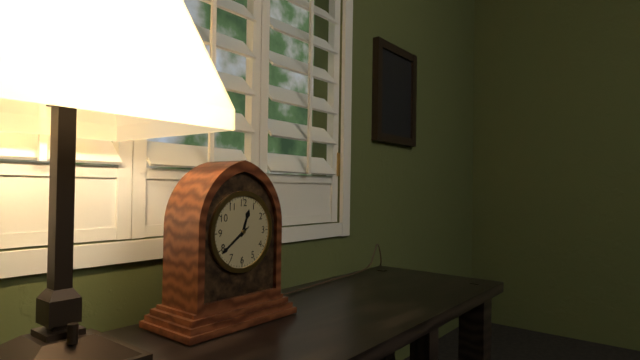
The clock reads **12:39**
